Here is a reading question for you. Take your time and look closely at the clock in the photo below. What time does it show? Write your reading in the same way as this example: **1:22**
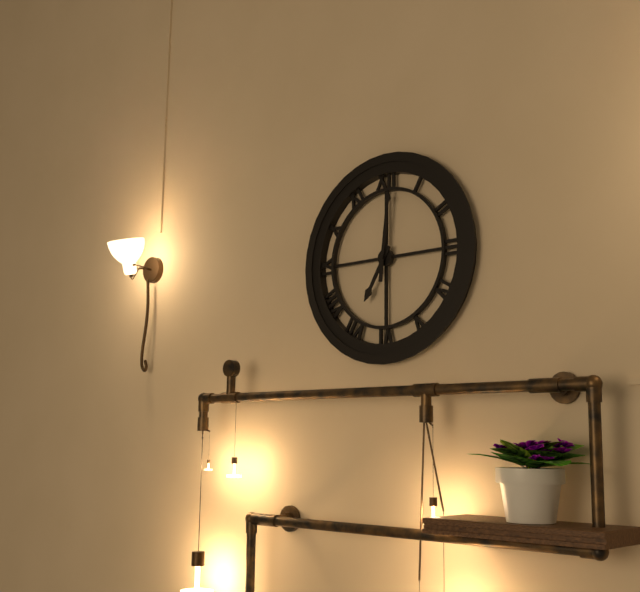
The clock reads **7:01**
